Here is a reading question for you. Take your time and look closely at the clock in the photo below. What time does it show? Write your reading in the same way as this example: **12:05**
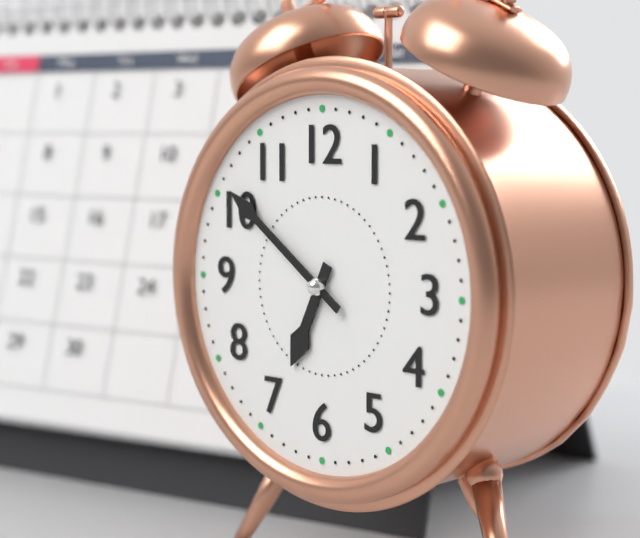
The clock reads **6:51**
